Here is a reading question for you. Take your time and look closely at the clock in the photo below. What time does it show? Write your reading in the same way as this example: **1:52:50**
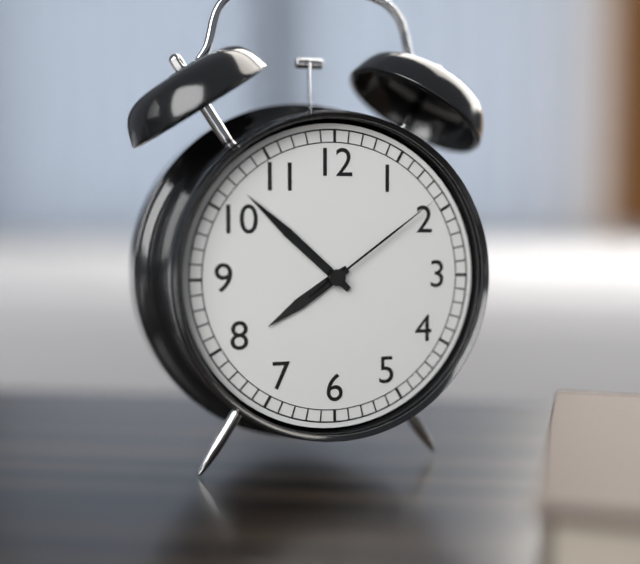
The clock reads **7:52:09**
